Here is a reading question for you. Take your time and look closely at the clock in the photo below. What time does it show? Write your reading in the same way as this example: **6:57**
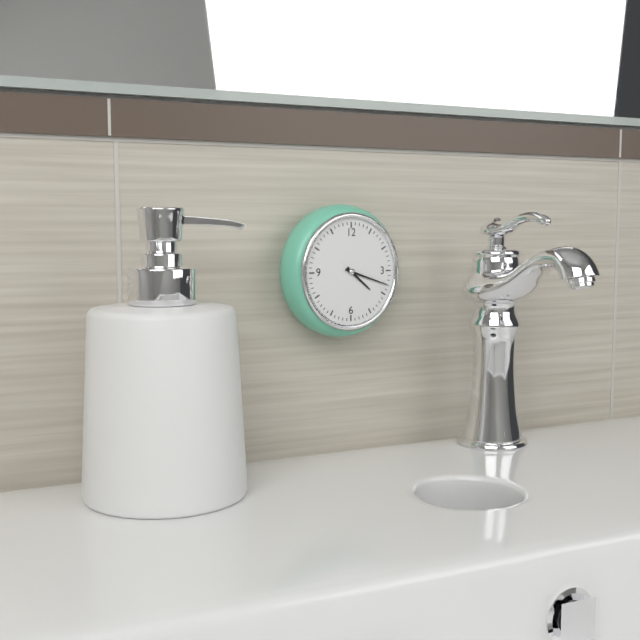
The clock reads **4:18**
